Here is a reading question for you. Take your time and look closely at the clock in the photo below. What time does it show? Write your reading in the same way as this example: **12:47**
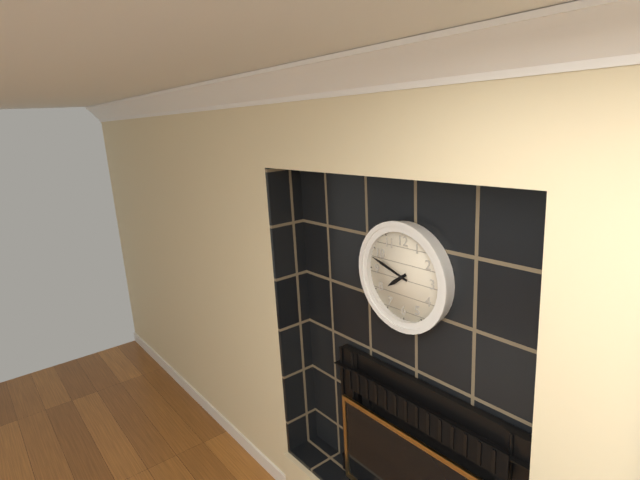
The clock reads **7:48**
